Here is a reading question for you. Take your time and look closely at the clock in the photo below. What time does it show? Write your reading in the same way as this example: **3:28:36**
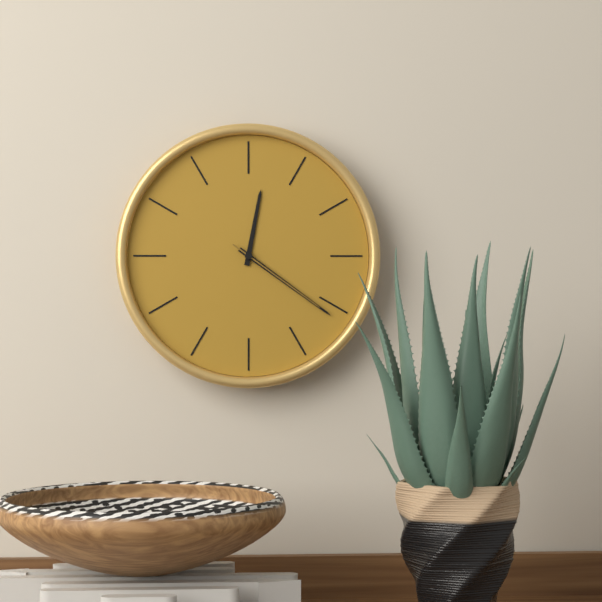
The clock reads **12:21:21**
